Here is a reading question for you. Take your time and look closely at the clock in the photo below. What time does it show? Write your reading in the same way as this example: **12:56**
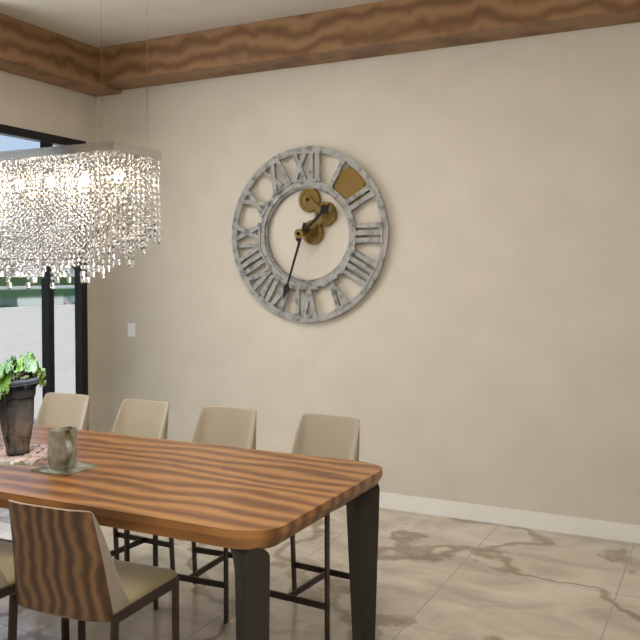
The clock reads **1:33**
